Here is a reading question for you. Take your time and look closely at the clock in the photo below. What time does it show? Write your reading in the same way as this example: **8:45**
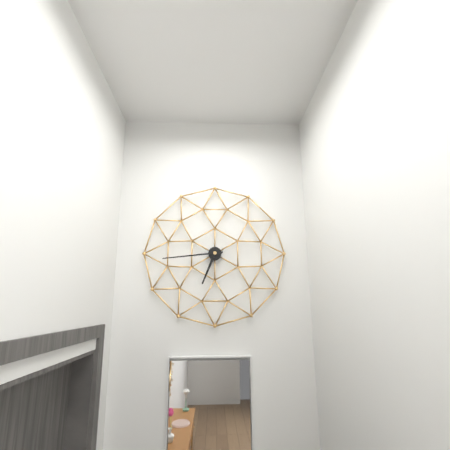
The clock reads **6:44**
